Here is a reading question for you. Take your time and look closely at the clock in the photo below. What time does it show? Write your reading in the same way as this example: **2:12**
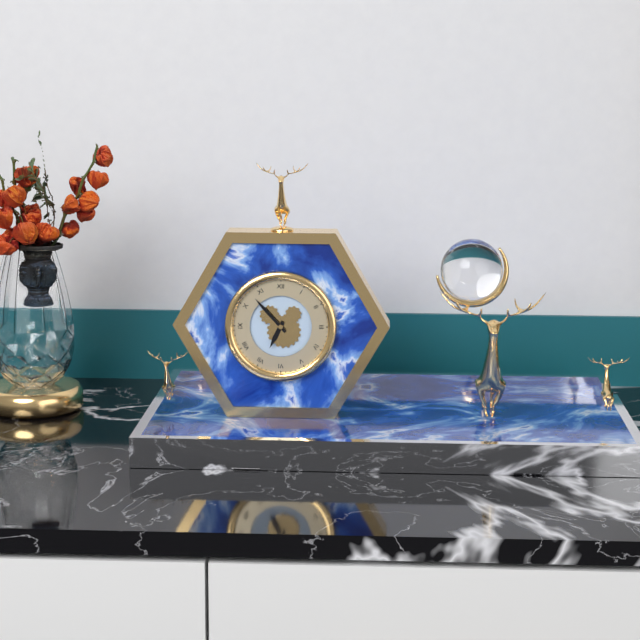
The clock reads **6:53**
